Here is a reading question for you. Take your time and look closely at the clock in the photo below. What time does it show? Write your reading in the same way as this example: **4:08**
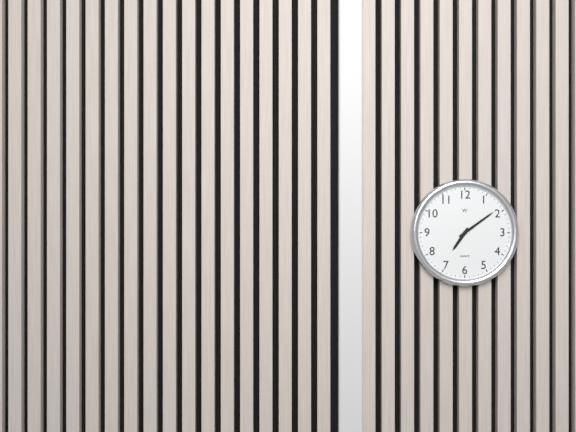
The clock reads **7:09**
